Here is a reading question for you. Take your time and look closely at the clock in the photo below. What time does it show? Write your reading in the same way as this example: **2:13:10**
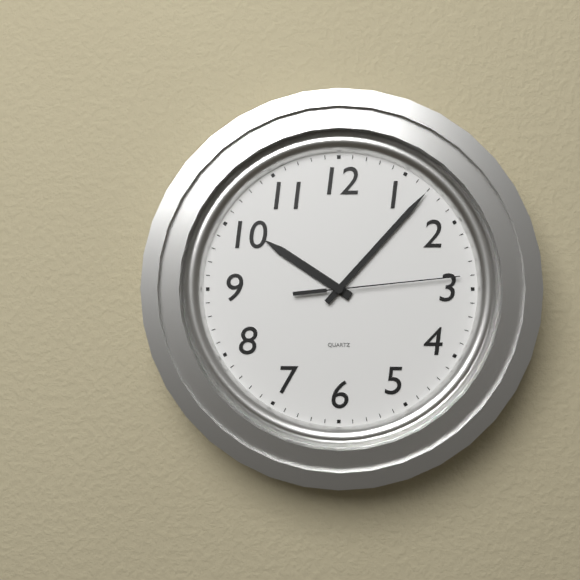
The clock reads **10:07:14**
